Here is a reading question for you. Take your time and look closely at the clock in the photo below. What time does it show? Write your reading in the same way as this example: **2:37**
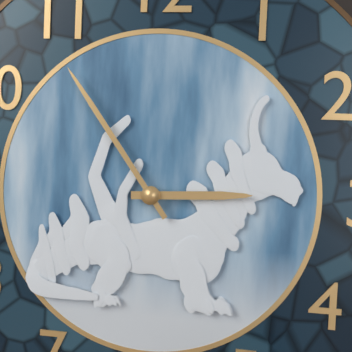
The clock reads **2:54**
